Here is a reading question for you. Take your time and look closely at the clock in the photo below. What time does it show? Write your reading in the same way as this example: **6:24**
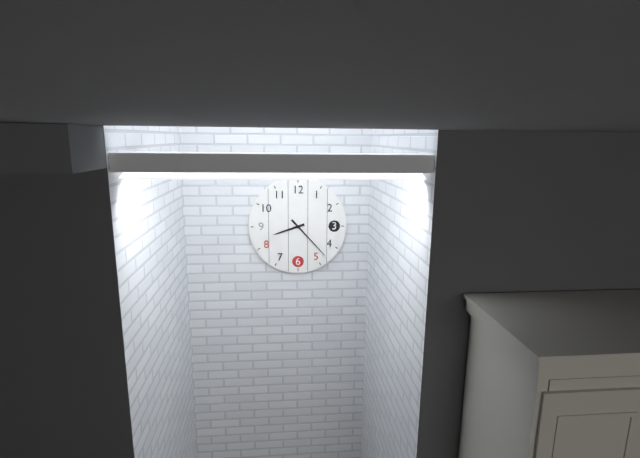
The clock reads **8:23**
